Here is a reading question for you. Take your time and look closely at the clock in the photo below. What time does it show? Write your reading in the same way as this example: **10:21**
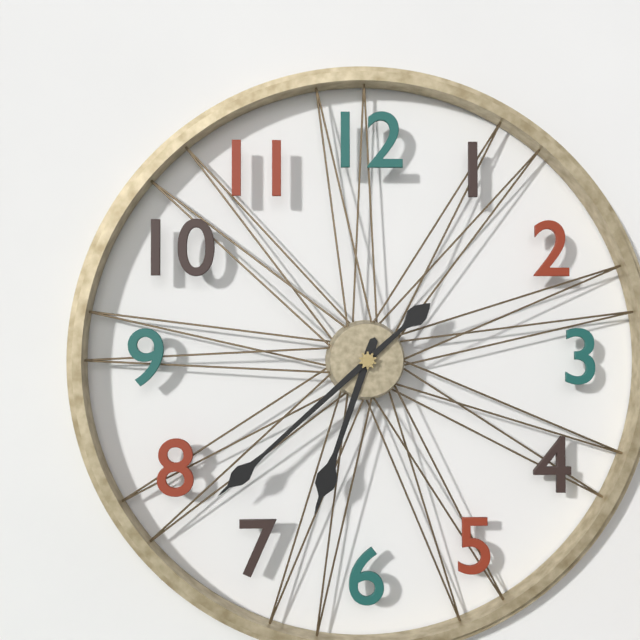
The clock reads **6:38**
